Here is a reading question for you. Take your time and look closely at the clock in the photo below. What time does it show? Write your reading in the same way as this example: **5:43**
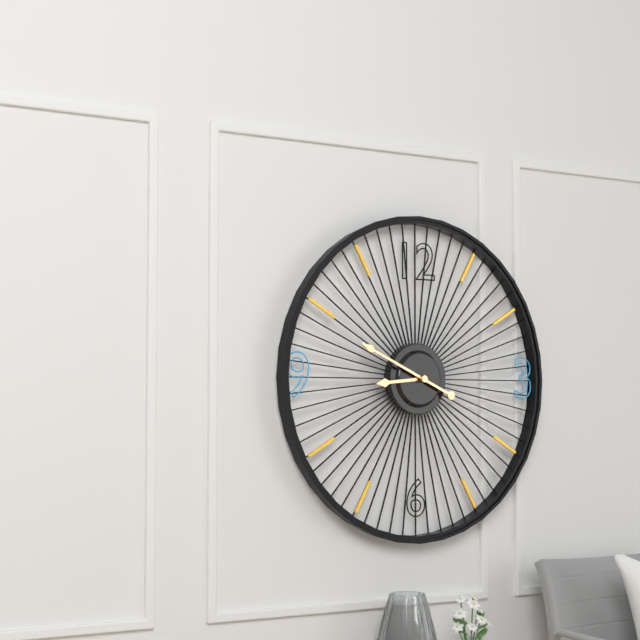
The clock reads **8:49**
